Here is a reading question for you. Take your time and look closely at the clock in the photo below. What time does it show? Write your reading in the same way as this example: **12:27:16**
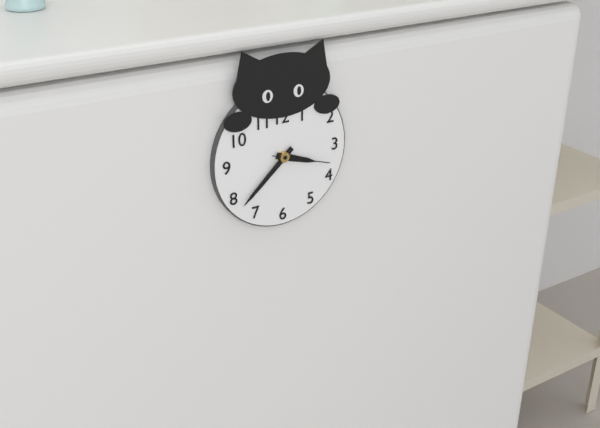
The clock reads **3:38:18**
